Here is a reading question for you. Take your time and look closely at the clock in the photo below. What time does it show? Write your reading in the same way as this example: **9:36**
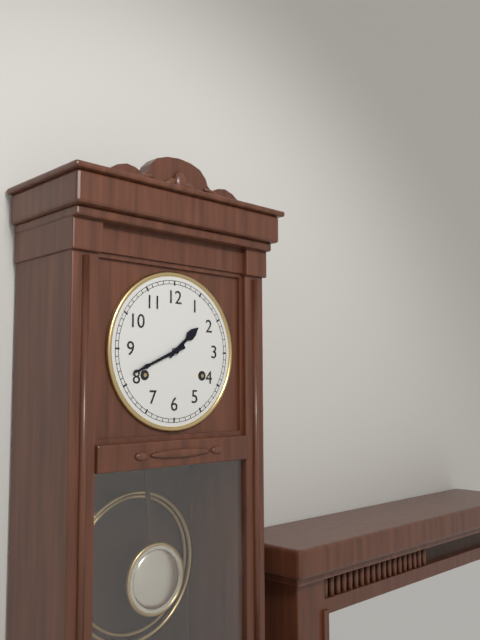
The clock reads **1:41**
